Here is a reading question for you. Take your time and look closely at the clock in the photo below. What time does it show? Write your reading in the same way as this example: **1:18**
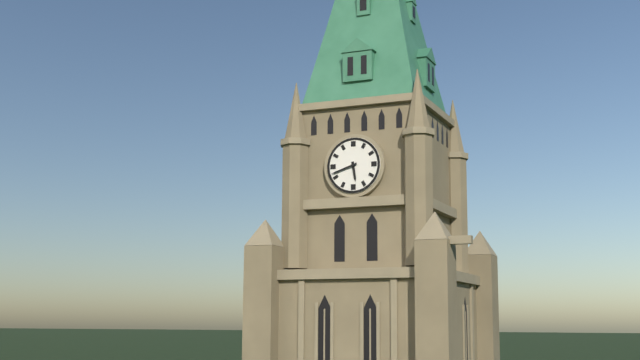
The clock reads **5:42**
